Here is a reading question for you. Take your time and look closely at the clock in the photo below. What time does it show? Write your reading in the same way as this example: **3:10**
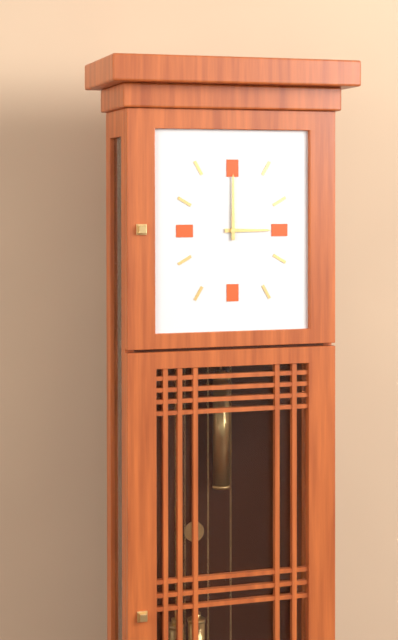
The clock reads **3:00**
